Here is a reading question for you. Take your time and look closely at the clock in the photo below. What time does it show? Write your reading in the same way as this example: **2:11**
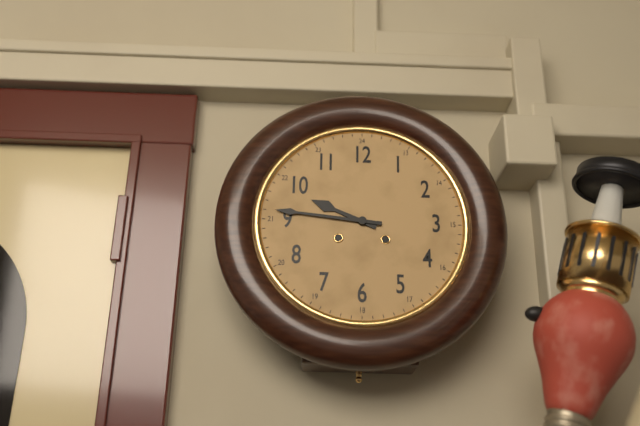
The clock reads **9:46**
